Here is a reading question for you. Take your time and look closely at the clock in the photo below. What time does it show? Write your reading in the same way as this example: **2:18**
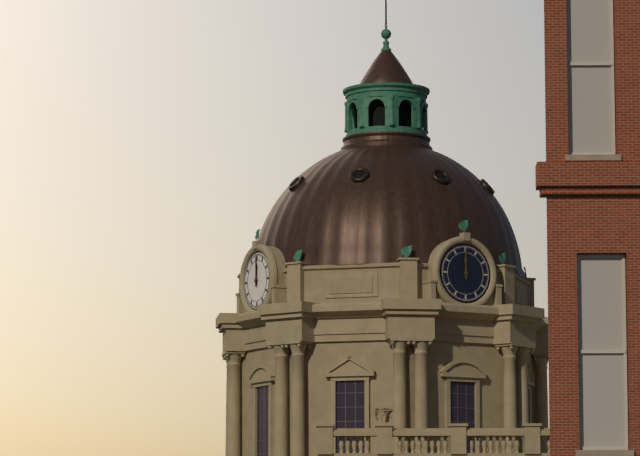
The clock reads **12:00**
